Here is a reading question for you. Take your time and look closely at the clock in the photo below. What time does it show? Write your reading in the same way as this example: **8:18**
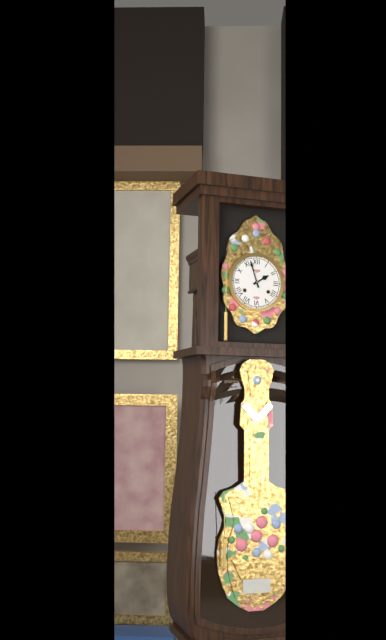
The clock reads **1:57**
